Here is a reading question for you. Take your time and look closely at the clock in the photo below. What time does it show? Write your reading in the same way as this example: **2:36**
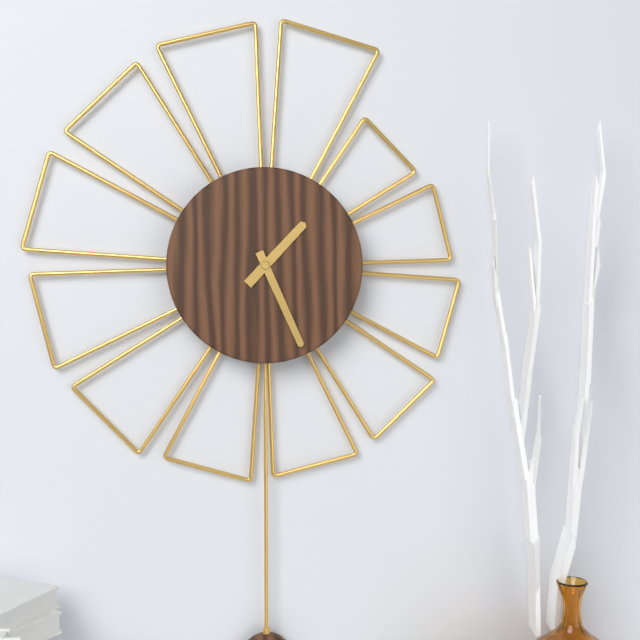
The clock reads **1:26**
